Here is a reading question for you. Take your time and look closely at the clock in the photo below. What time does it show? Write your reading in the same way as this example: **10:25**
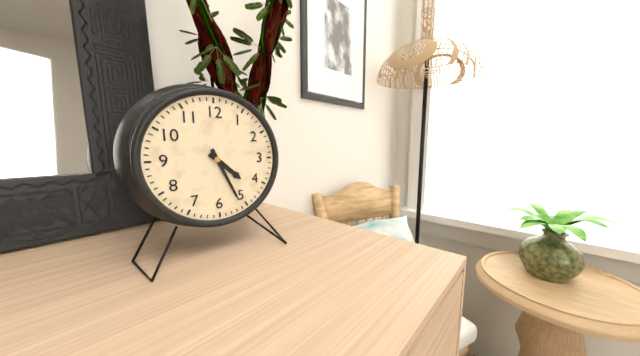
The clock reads **4:26**
